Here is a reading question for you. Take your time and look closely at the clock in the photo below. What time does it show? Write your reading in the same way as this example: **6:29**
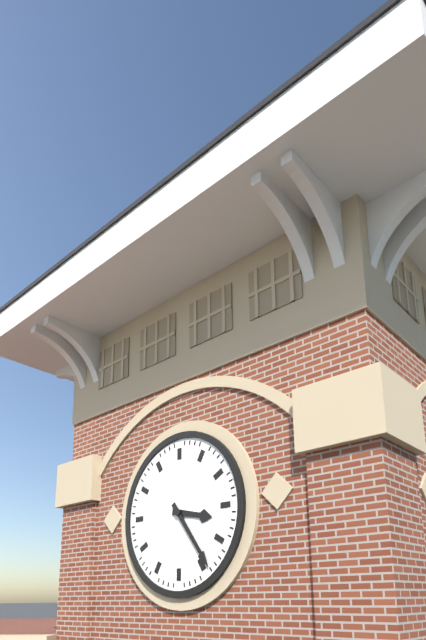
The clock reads **3:24**
